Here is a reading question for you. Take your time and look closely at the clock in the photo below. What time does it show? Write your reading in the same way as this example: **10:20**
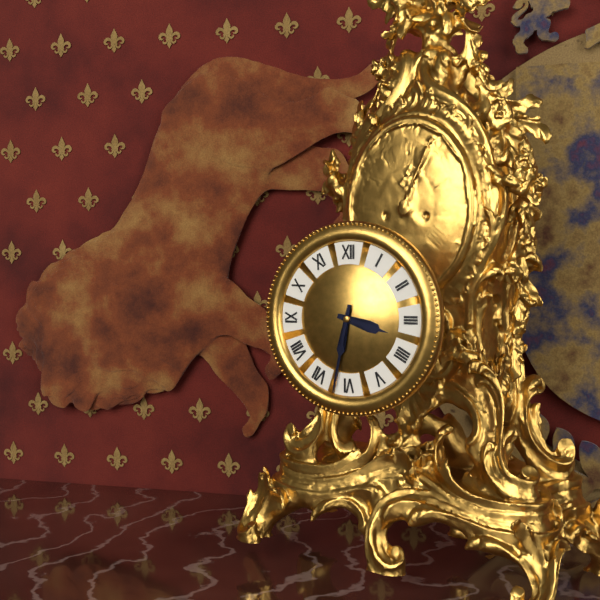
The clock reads **3:32**
